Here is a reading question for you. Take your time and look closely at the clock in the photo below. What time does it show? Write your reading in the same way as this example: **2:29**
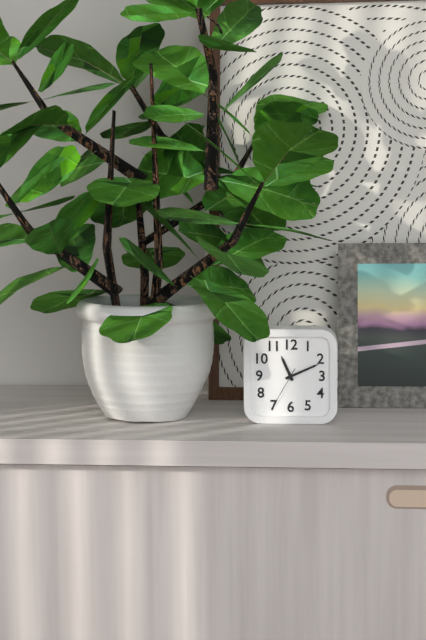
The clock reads **11:11**
